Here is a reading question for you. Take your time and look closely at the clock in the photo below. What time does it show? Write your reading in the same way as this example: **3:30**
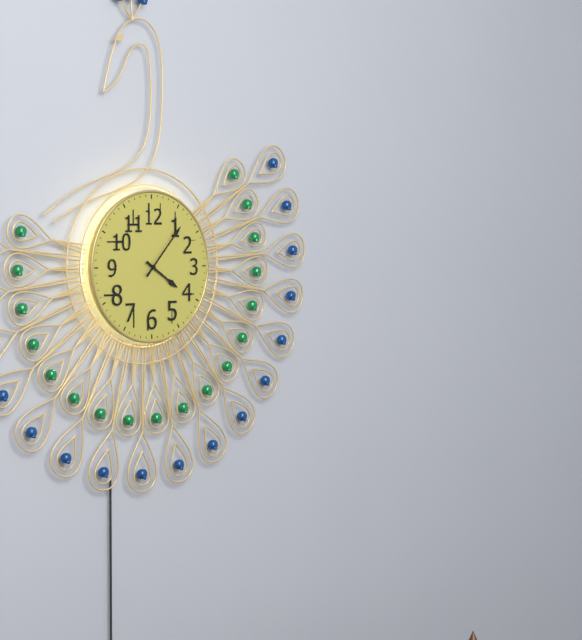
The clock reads **4:07**
